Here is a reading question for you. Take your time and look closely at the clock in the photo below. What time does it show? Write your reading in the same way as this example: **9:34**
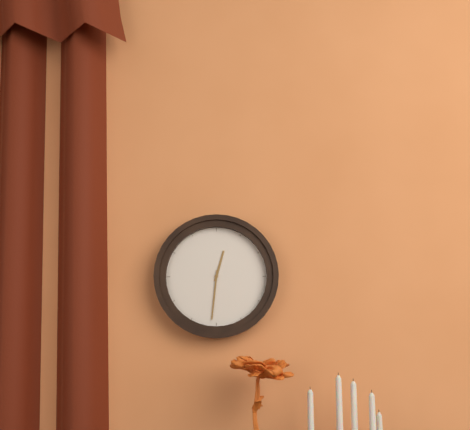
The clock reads **12:31**
